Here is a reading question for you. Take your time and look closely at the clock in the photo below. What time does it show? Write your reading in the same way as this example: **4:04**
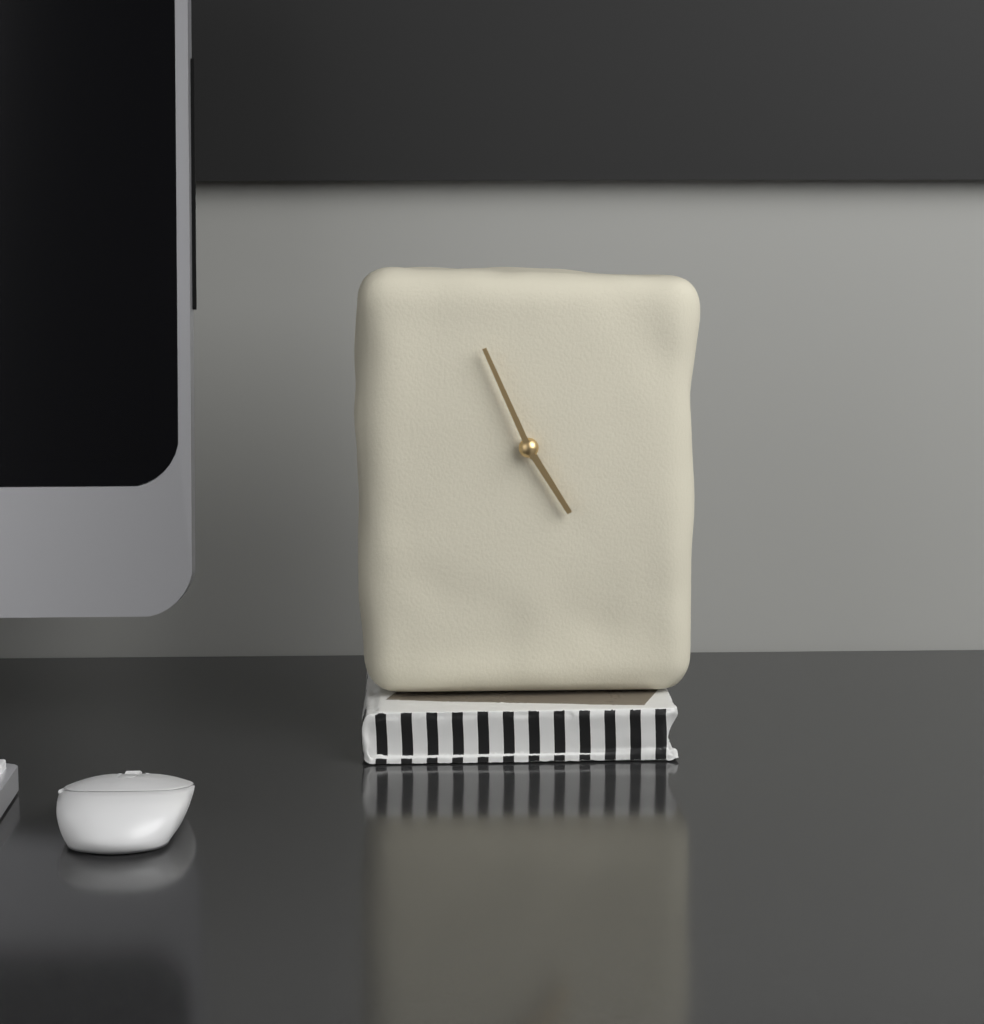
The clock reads **4:56**
